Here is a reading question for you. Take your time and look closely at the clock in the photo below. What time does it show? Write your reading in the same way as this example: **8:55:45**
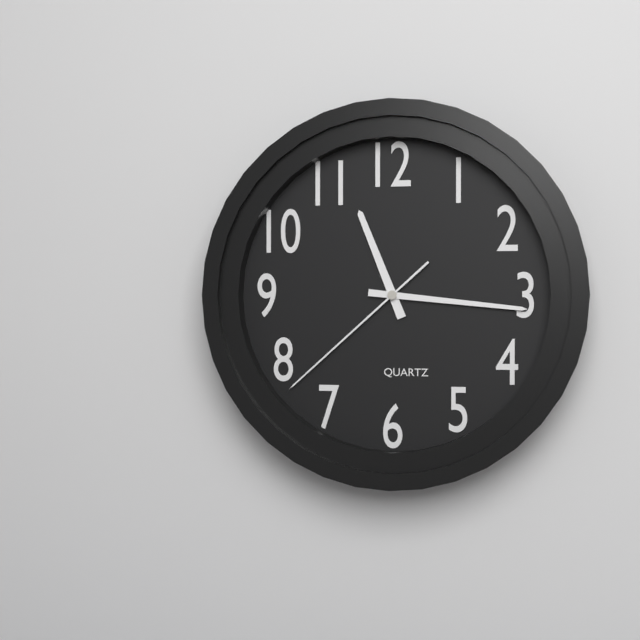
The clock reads **11:16:38**
